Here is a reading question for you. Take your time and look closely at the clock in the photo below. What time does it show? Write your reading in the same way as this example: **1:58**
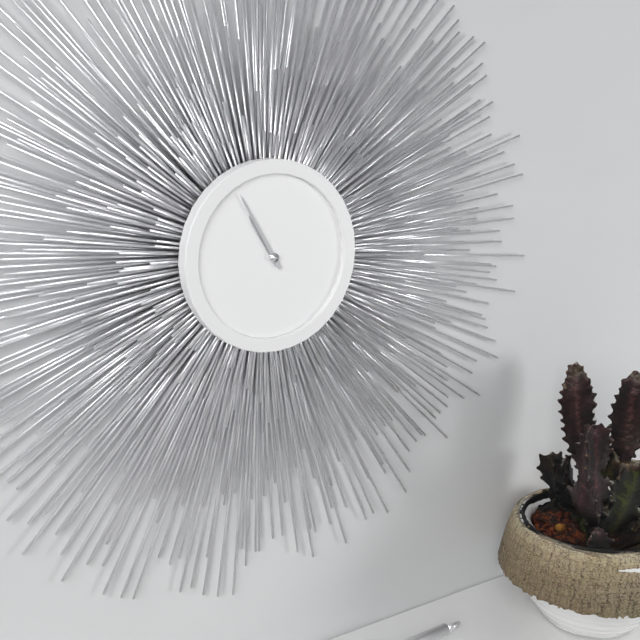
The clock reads **10:55**
